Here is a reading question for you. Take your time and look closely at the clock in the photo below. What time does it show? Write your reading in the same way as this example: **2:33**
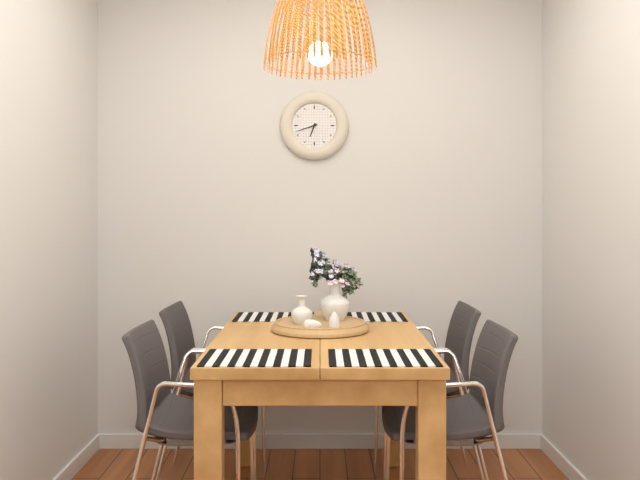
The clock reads **6:42**
